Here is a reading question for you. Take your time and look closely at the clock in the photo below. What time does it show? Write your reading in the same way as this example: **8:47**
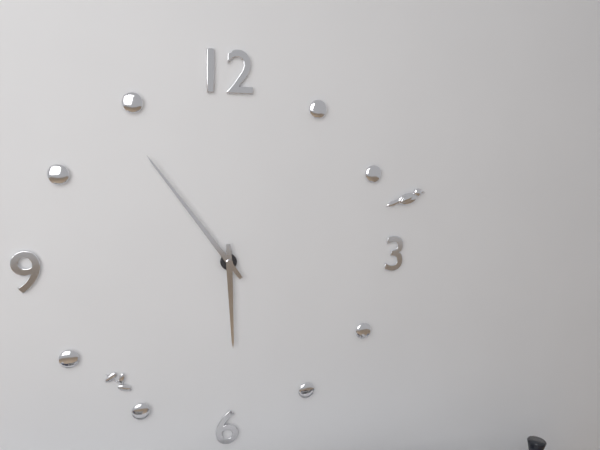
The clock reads **5:54**
